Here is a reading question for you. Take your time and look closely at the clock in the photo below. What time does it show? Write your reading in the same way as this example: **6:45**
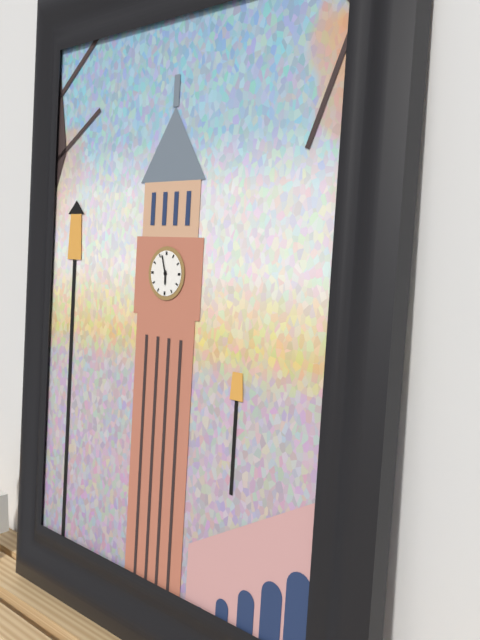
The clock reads **5:57**
